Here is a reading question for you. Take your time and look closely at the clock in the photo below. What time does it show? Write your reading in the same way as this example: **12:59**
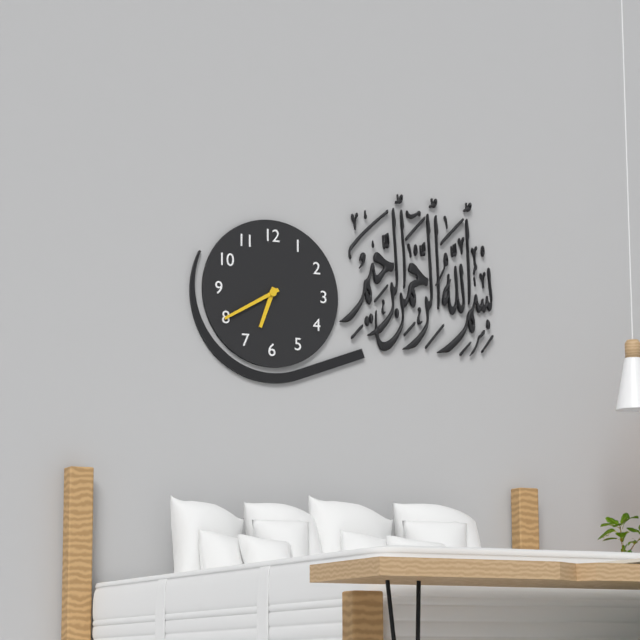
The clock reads **6:40**
